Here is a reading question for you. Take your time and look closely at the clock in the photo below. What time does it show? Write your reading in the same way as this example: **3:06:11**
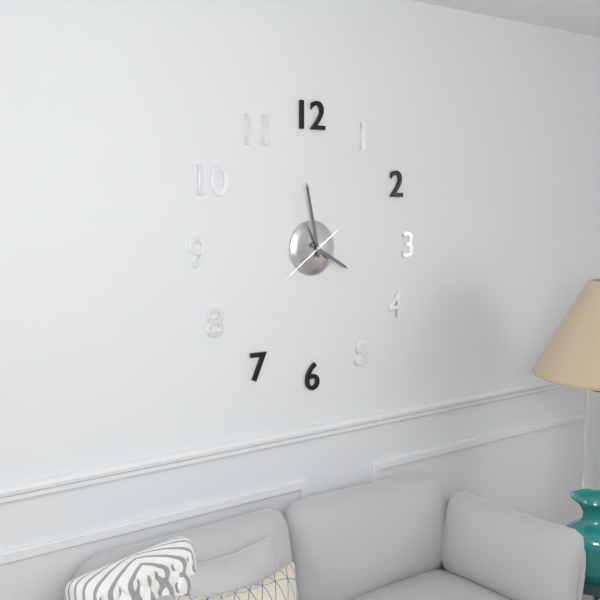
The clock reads **3:58:39**
